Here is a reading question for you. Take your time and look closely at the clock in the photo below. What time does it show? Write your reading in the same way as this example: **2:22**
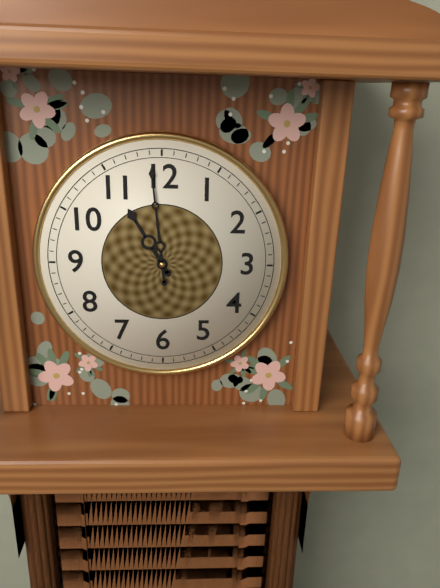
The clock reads **10:59**
